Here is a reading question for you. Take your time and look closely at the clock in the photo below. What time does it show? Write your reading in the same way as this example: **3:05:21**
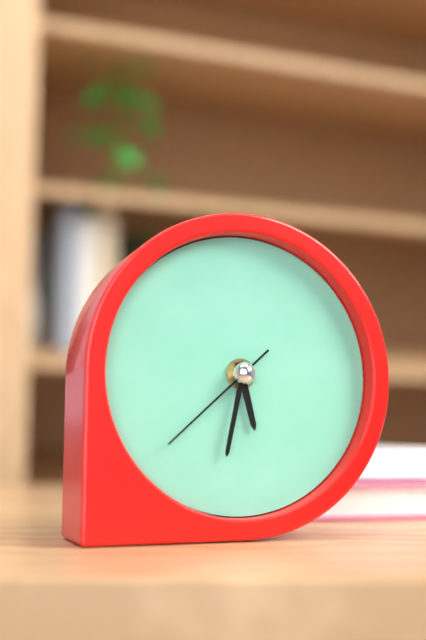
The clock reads **5:32:38**
